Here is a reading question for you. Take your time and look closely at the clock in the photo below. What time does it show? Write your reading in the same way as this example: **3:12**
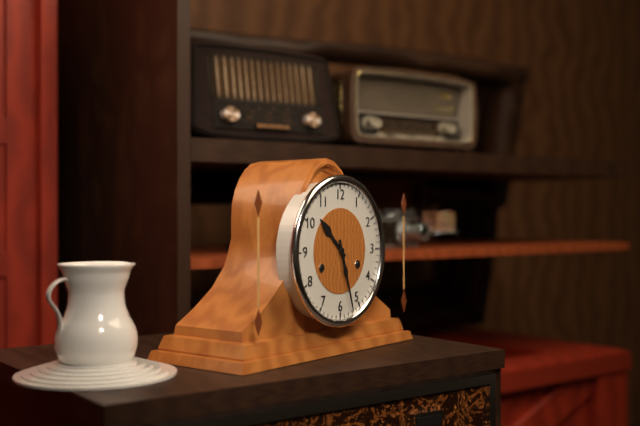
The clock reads **10:27**
